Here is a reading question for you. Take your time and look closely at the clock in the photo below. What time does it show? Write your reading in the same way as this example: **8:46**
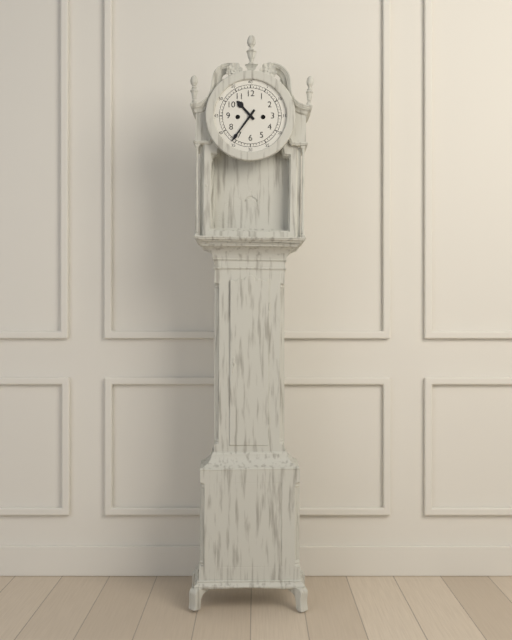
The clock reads **10:36**
